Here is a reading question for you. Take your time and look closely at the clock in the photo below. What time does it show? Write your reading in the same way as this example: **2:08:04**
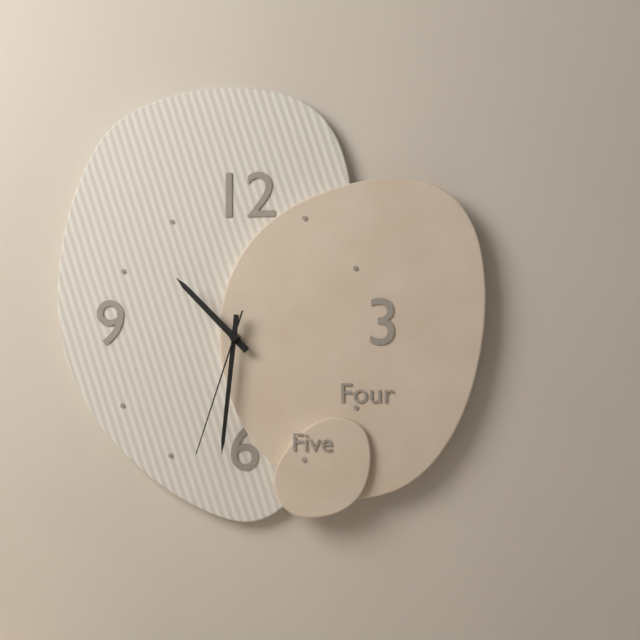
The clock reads **10:31:33**
